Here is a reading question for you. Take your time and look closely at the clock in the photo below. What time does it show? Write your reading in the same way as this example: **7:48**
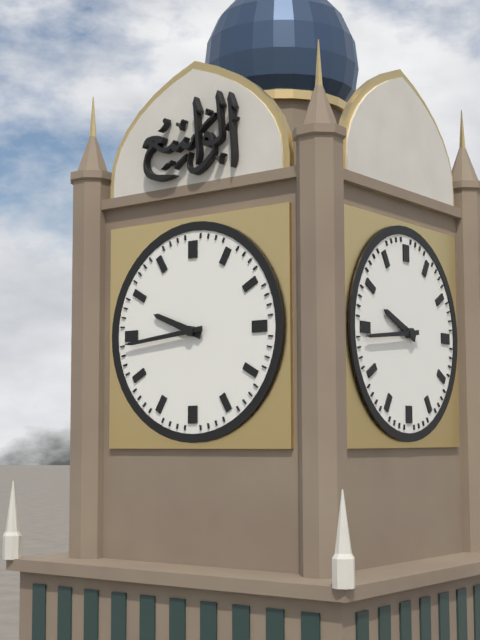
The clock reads **9:44**
